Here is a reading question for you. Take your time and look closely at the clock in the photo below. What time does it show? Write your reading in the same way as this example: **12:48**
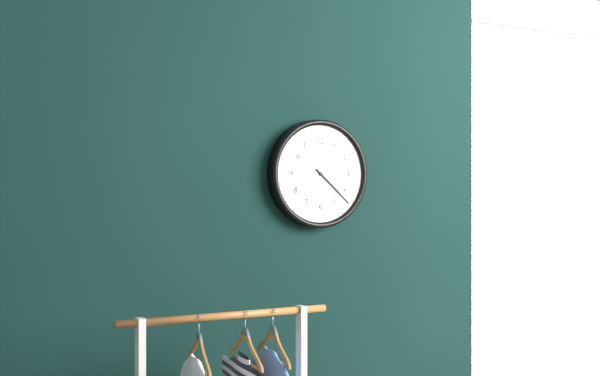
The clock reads **4:22**
